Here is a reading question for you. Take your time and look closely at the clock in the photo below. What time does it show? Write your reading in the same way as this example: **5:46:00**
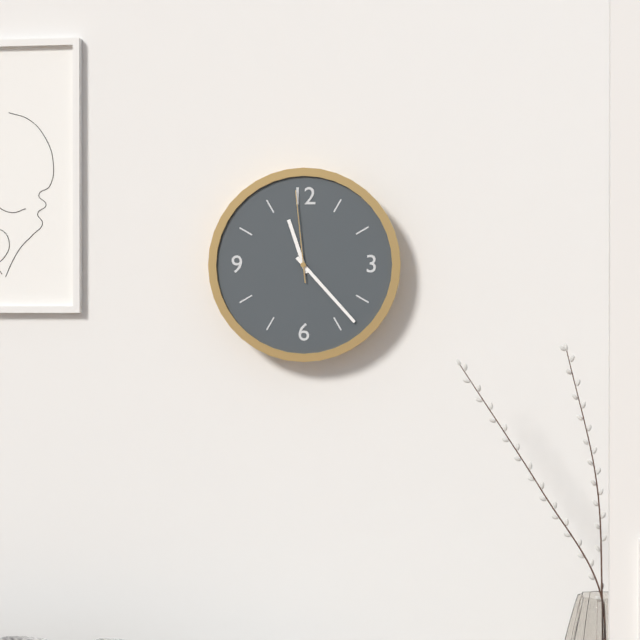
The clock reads **11:23:59**
